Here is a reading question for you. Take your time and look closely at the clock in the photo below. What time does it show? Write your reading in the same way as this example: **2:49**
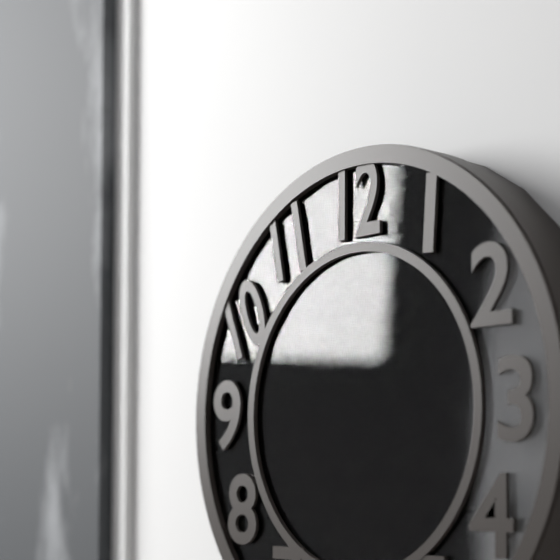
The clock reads **1:52**
